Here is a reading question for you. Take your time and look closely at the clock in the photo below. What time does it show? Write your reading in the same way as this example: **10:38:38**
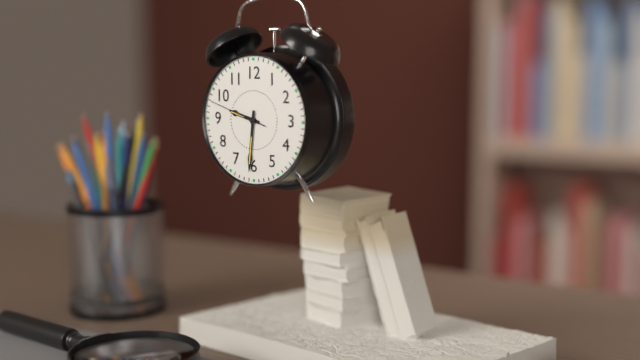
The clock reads **9:31:48**
